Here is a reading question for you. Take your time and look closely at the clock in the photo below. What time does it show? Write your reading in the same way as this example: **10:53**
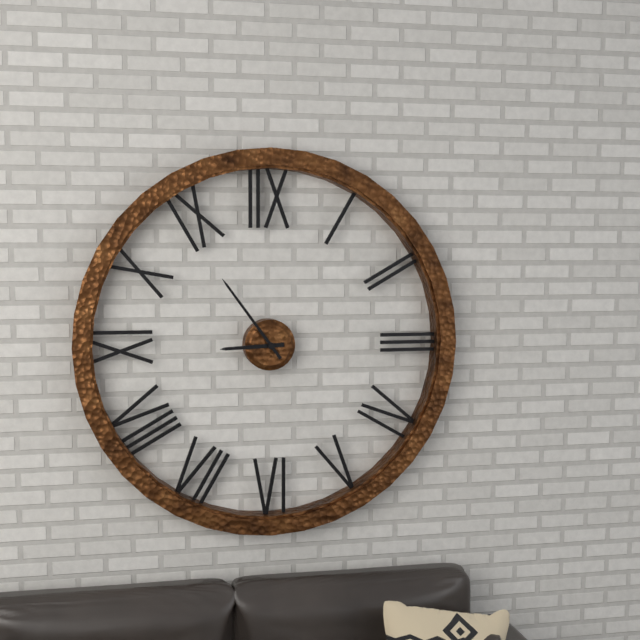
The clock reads **8:54**
